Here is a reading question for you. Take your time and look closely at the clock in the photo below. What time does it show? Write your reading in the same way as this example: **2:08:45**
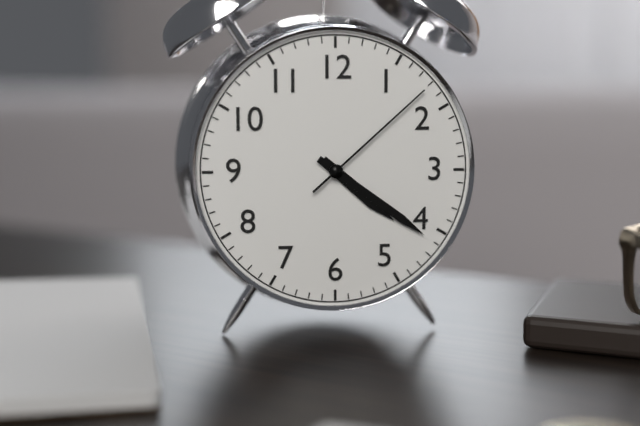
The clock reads **4:21:08**
